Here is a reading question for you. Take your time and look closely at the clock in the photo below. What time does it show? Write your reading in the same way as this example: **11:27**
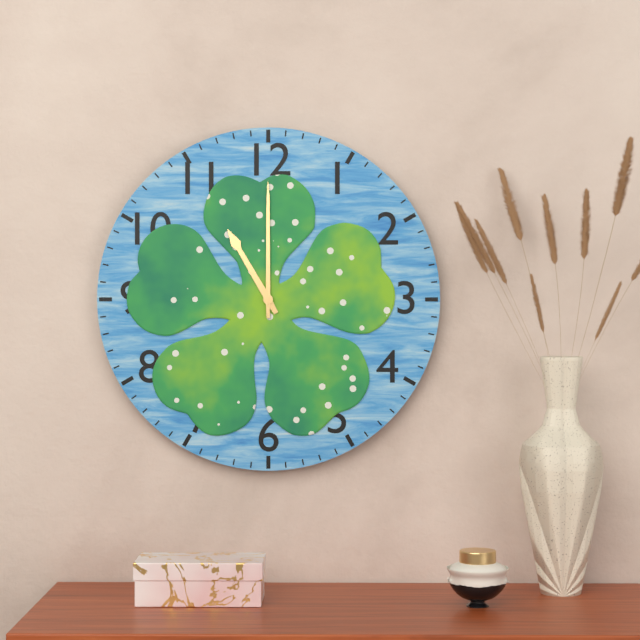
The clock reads **11:00**
